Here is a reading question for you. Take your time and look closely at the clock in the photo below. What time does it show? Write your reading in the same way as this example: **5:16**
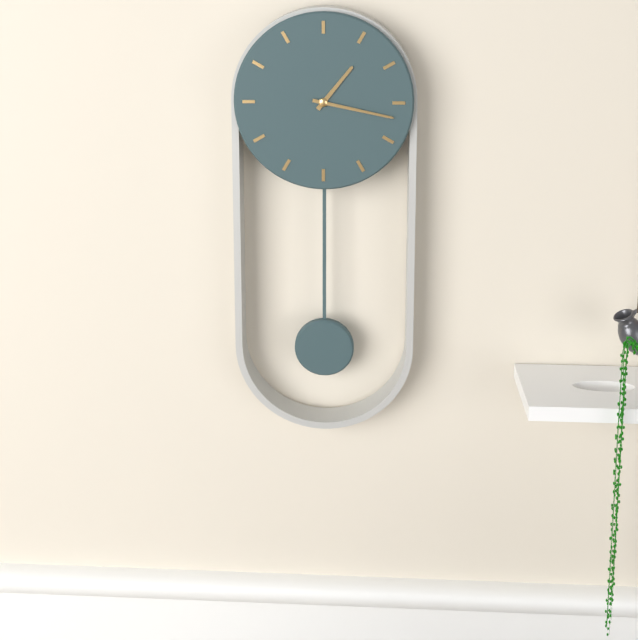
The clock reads **1:17**
